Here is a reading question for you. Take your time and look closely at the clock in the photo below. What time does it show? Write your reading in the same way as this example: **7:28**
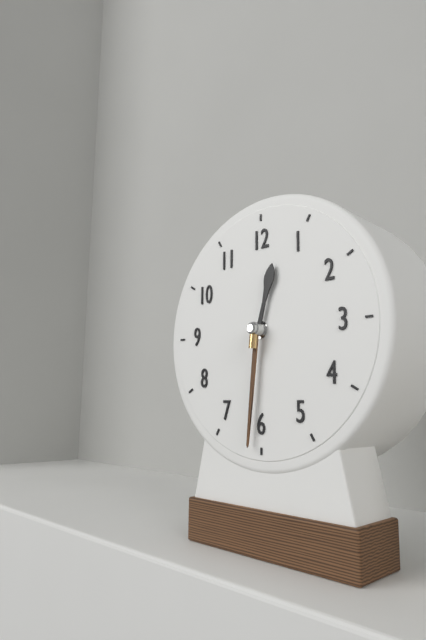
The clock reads **12:31**
